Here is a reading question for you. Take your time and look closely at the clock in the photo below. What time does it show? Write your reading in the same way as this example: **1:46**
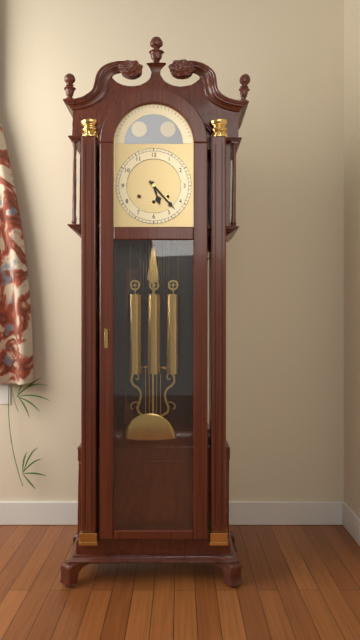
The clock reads **5:23**
